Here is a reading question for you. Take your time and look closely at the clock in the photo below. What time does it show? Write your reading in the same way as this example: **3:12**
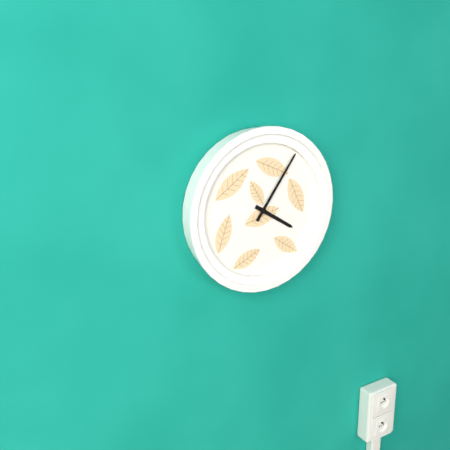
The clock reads **4:06**
